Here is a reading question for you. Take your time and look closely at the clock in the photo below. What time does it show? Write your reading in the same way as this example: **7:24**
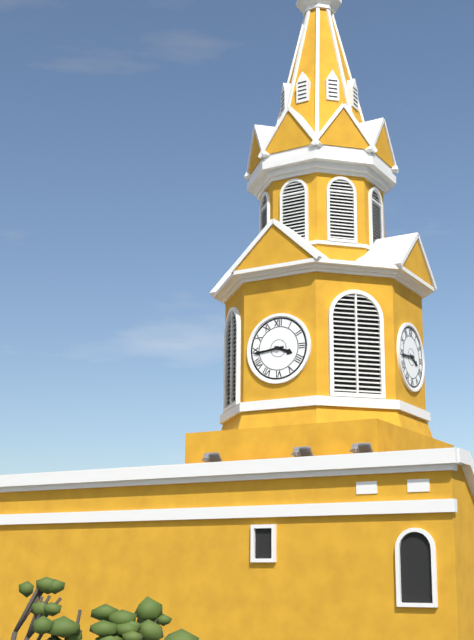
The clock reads **3:44**
